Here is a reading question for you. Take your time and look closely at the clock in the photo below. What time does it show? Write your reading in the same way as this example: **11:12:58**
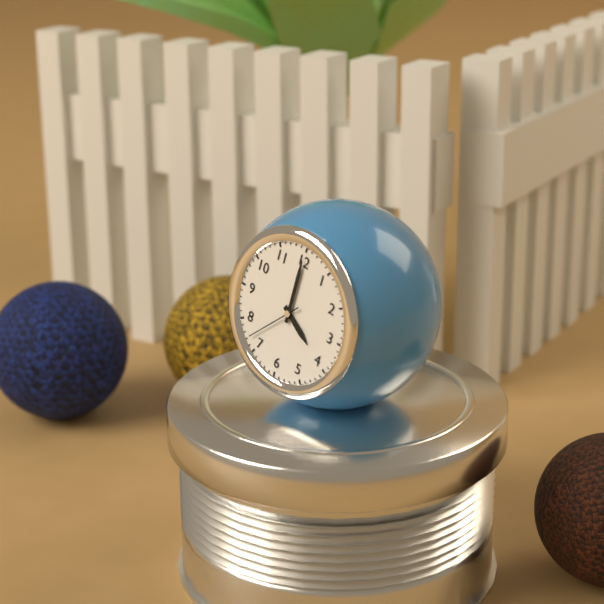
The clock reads **4:00:37**
